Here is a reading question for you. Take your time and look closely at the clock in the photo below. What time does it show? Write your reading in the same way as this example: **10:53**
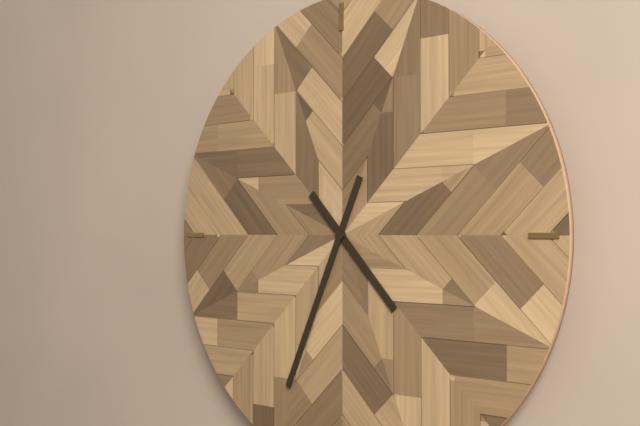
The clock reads **4:34**
